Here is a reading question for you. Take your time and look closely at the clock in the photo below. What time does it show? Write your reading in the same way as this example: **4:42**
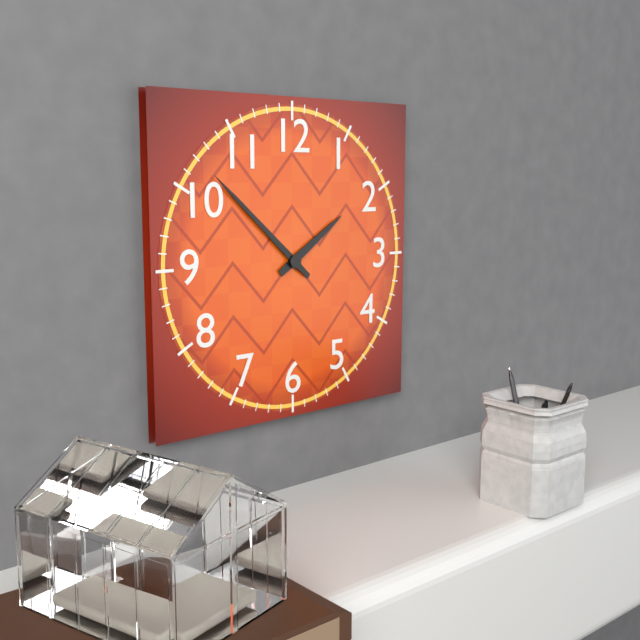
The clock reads **1:52**
